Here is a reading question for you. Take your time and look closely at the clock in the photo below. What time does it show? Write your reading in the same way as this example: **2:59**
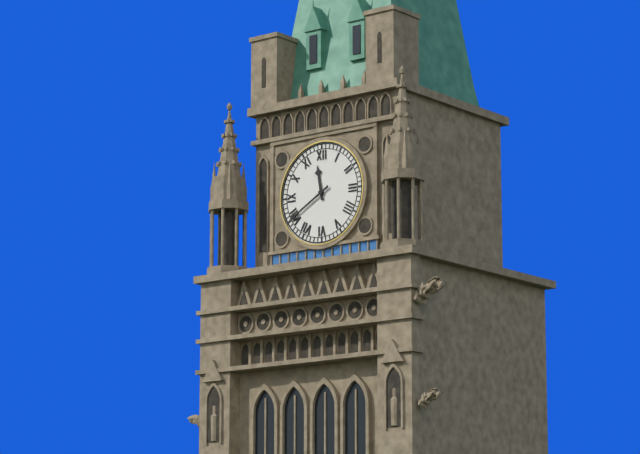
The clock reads **11:40**
